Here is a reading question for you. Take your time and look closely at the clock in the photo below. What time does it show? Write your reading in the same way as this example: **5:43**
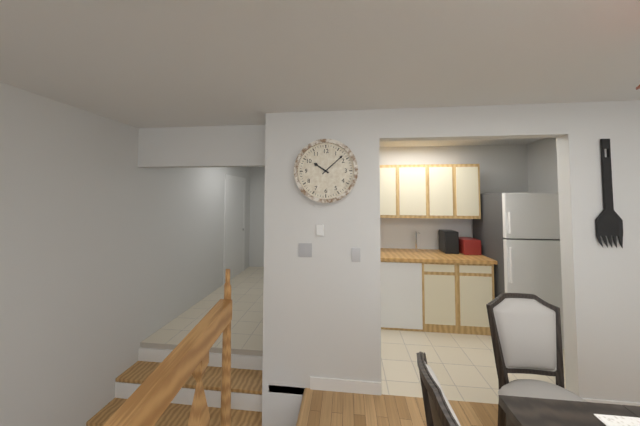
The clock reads **10:08**
